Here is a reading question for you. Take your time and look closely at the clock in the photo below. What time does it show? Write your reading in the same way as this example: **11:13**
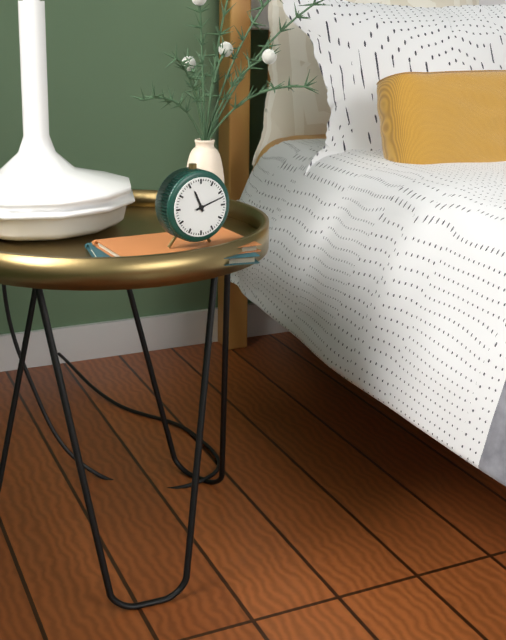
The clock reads **11:12**
